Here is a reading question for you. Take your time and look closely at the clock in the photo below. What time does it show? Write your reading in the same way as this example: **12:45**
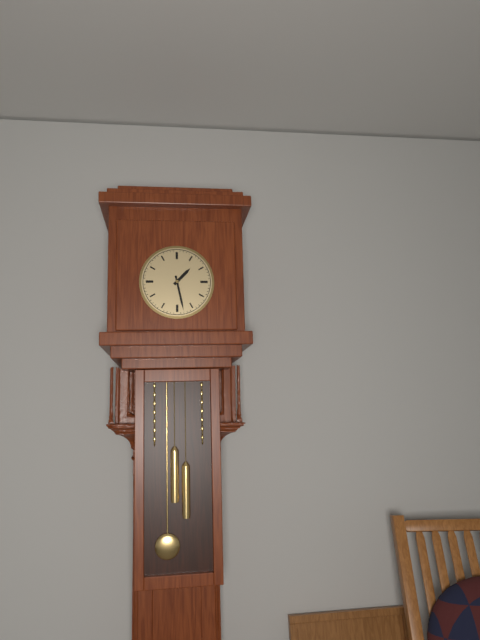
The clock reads **1:28**
